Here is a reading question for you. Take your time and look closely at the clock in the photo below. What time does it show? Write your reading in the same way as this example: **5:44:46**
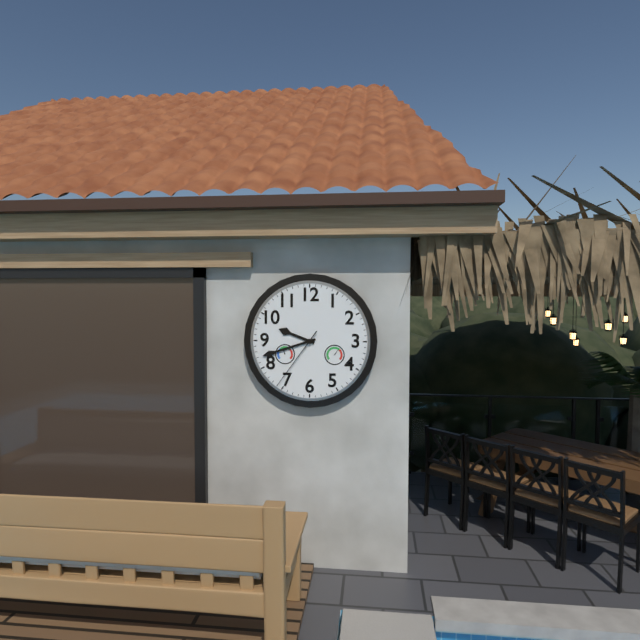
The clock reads **9:42:36**
